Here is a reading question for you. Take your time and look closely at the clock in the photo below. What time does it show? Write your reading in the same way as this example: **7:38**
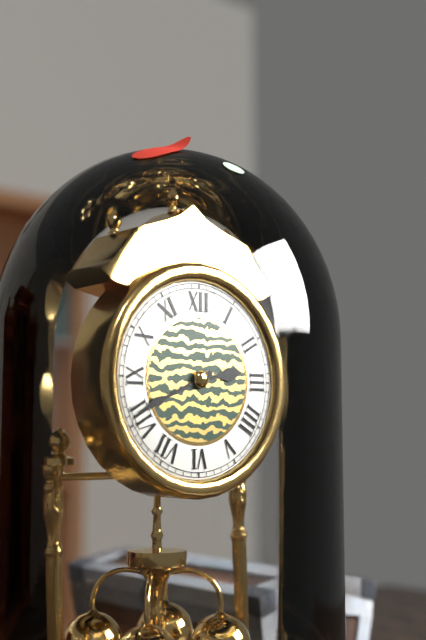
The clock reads **2:41**
